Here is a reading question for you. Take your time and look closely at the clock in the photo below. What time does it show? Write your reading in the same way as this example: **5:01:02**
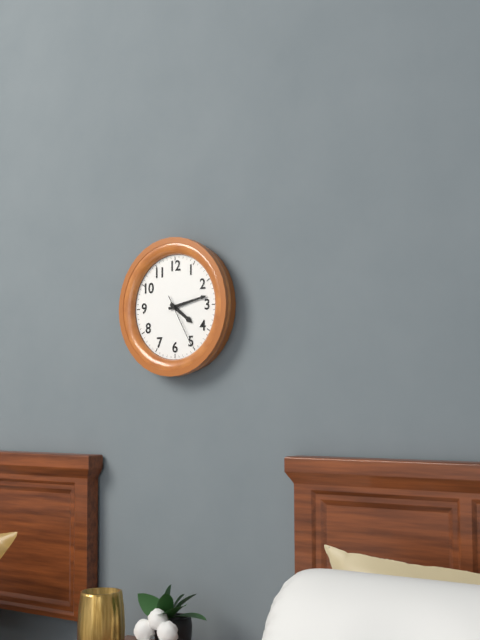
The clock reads **4:13:25**
